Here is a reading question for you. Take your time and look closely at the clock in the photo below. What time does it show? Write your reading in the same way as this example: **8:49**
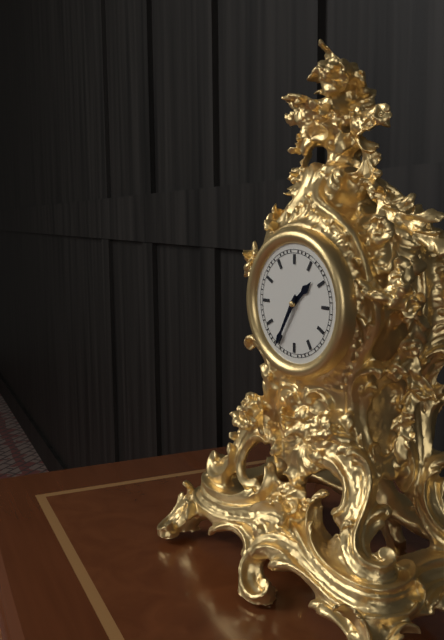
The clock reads **1:35**
